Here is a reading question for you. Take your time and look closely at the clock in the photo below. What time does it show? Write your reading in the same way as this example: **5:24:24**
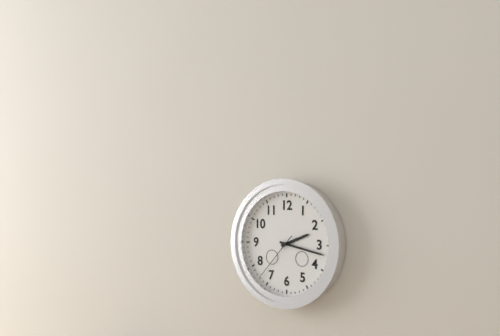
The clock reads **2:17:37**
